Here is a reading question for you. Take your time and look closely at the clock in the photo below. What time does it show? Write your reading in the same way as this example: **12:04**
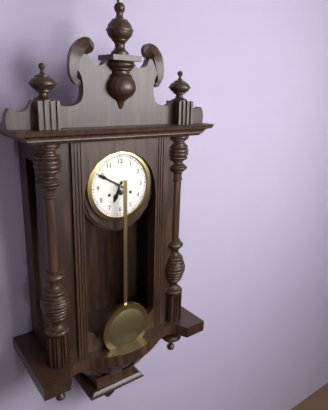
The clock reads **6:50**
